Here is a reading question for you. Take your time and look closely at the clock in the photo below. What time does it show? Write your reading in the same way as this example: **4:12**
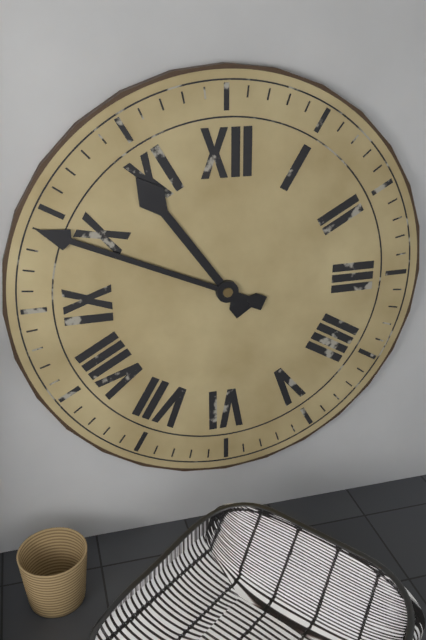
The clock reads **10:49**
